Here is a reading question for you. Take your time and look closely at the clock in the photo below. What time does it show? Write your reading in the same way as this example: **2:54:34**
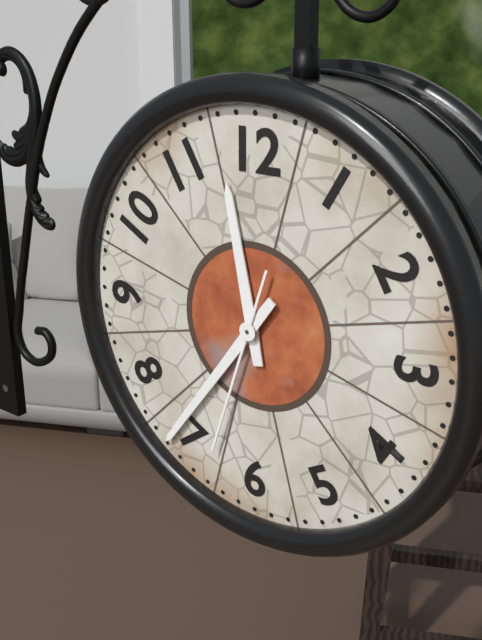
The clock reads **11:36:33**
